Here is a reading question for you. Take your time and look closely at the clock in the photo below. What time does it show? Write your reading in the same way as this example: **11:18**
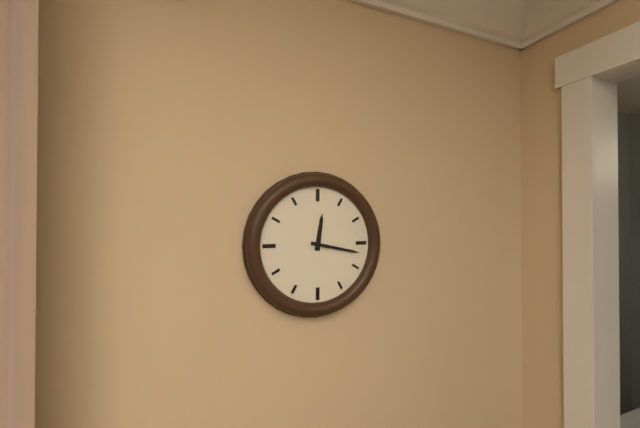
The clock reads **12:17**
